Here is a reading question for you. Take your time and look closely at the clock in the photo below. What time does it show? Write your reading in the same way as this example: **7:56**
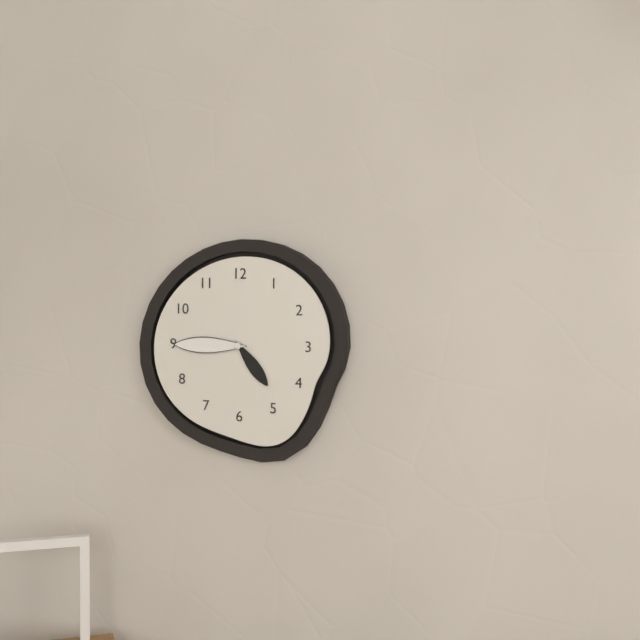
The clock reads **4:45**
